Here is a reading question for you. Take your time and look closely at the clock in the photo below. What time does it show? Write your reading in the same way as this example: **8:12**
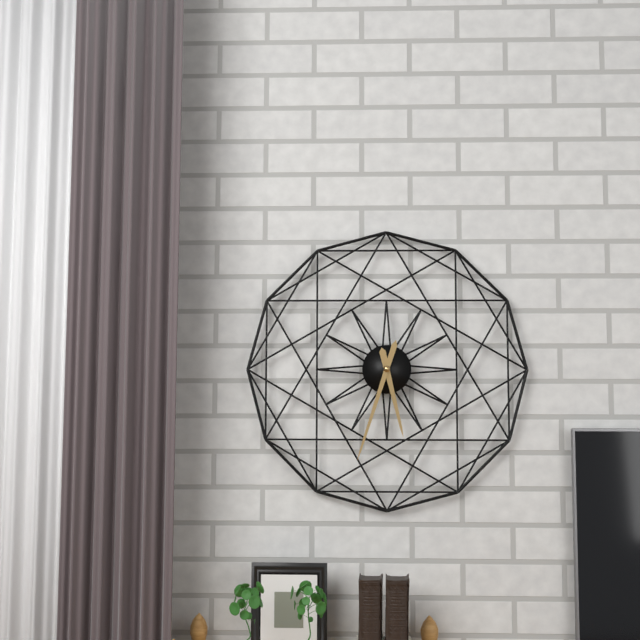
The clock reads **5:33**
